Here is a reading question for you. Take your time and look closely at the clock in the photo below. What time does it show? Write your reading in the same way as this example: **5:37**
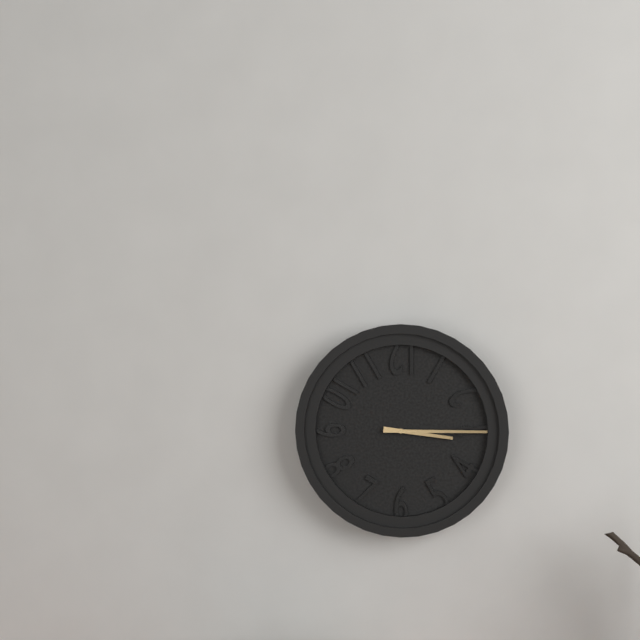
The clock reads **3:15**
